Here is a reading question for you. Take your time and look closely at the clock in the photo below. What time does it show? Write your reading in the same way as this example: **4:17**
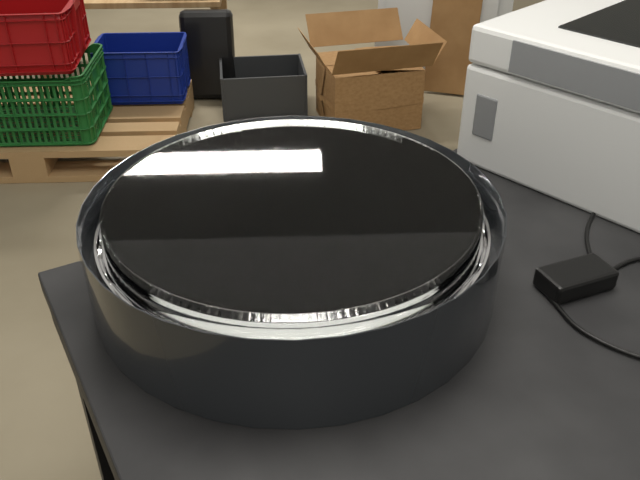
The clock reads **6:21**
